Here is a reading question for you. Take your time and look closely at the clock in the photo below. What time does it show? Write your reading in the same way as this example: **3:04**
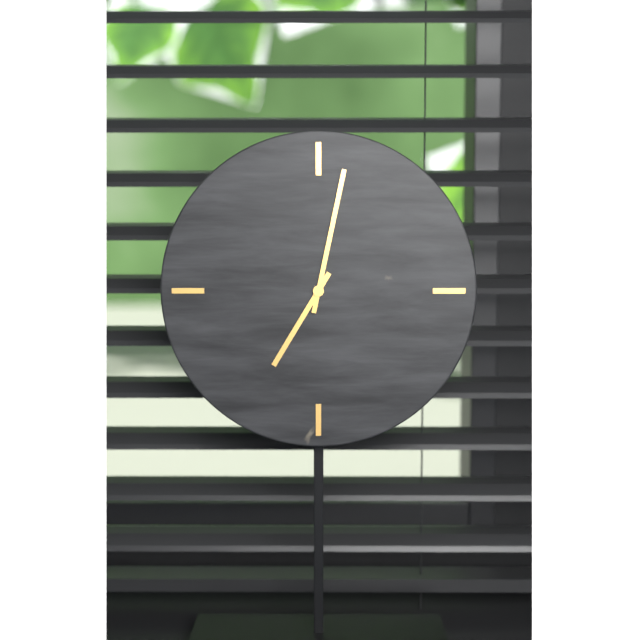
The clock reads **7:02**
